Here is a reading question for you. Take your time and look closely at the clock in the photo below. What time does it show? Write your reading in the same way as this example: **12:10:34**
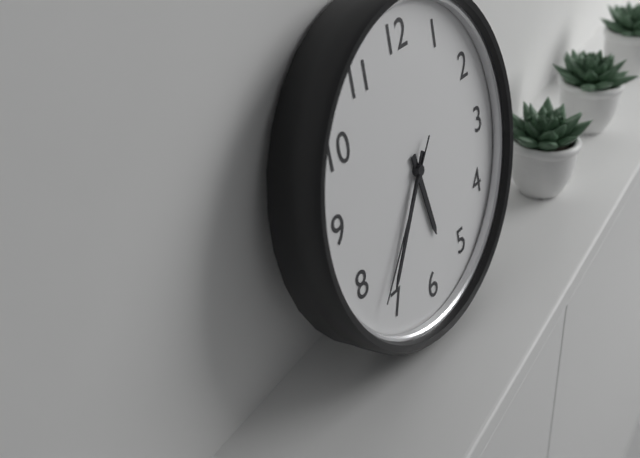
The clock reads **5:36:37**
